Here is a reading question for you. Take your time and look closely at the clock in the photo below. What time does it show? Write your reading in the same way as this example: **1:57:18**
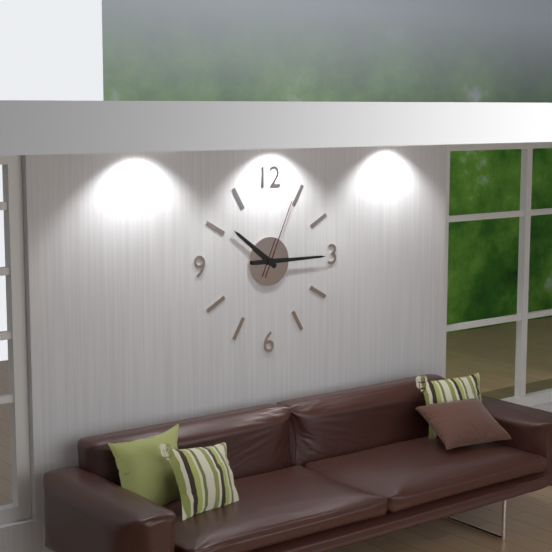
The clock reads **10:15:04**
